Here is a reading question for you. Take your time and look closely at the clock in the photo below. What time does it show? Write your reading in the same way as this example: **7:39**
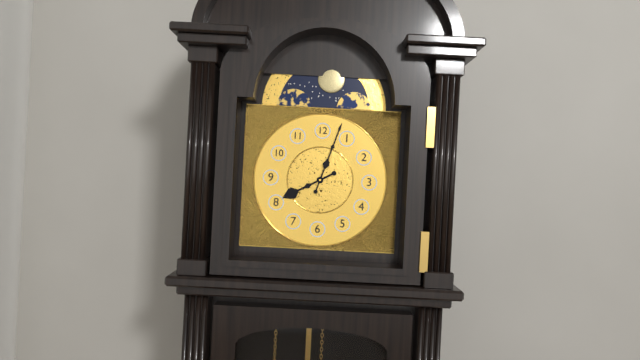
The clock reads **8:03**
